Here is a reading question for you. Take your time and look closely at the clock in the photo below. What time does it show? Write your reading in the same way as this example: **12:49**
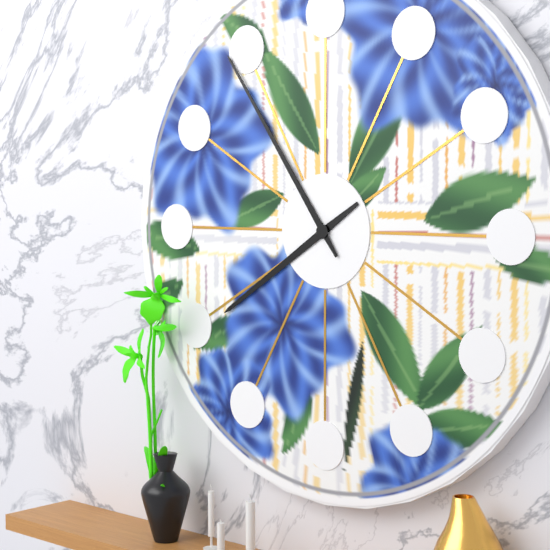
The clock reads **7:54**
